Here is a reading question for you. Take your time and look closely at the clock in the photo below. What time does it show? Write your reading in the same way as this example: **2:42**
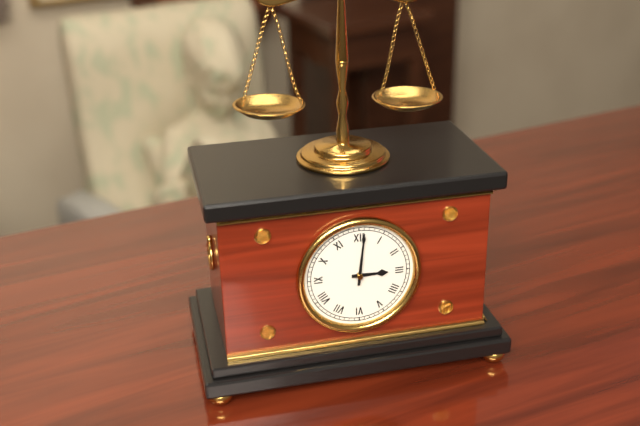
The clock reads **3:01**
